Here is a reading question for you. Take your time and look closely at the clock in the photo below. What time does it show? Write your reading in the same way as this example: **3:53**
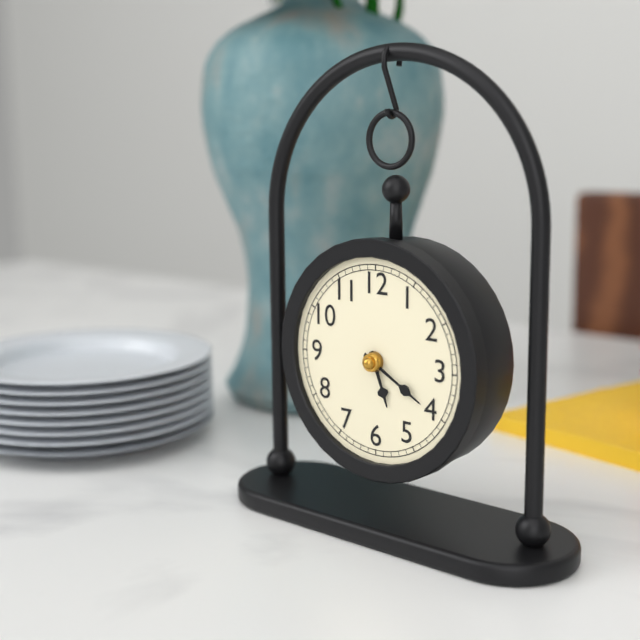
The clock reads **5:20**
